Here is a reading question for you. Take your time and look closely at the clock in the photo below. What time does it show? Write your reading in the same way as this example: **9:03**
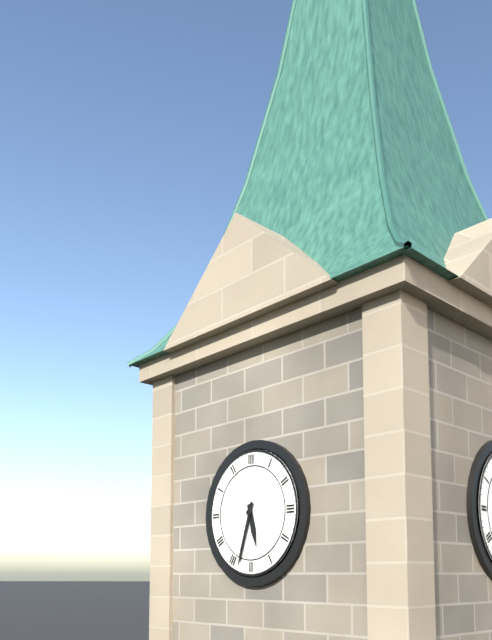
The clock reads **5:33**
